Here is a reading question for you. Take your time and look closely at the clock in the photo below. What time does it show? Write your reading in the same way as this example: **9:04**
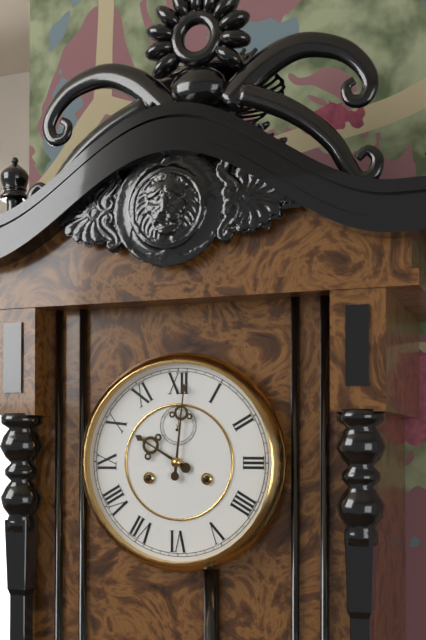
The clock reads **10:01**
